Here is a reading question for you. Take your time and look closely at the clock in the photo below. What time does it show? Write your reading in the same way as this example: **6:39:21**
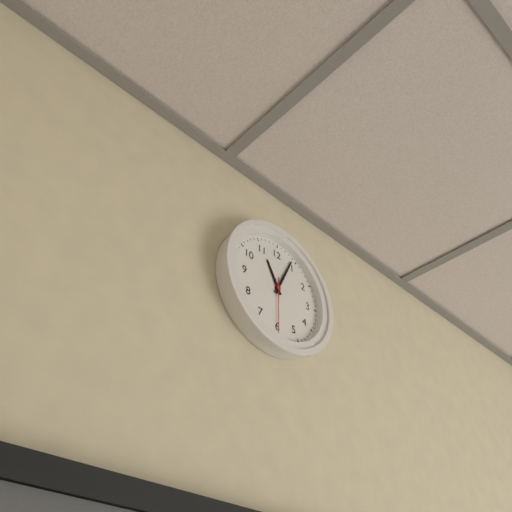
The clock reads **11:04:30**
